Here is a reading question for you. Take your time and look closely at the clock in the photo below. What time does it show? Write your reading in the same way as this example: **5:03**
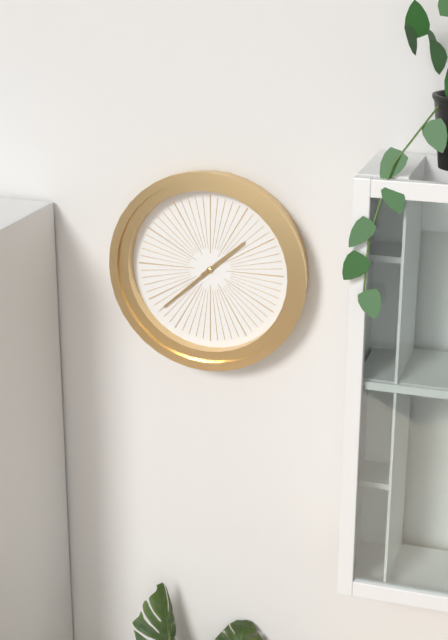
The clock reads **1:38**
